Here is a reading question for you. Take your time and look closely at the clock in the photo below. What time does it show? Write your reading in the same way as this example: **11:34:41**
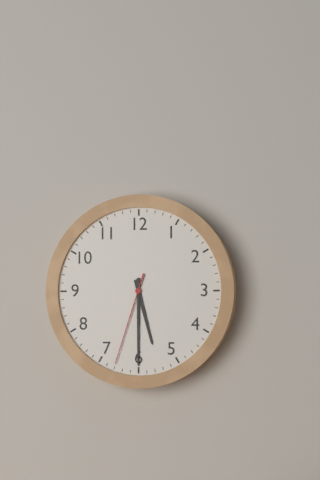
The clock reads **5:30:33**
